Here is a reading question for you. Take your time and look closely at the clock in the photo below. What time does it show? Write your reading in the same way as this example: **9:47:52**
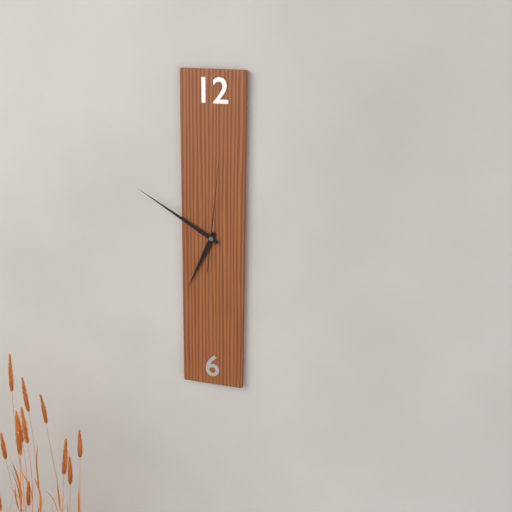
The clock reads **6:50:01**
